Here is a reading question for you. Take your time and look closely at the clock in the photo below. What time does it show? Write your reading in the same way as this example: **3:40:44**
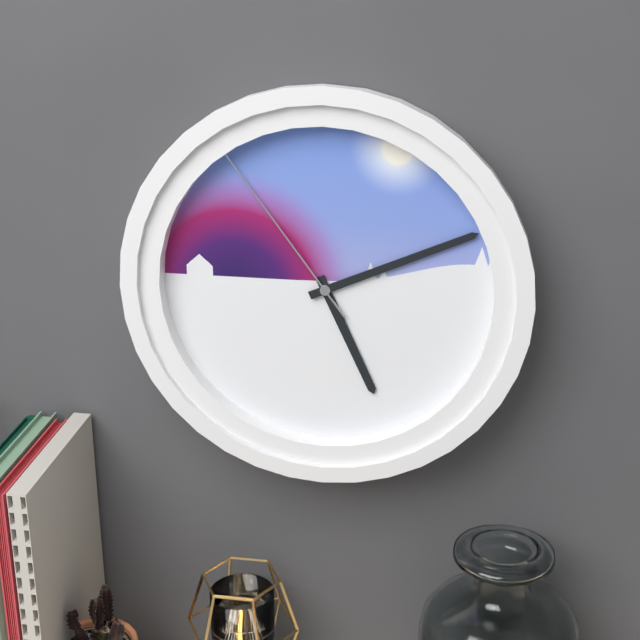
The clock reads **5:11:54**
